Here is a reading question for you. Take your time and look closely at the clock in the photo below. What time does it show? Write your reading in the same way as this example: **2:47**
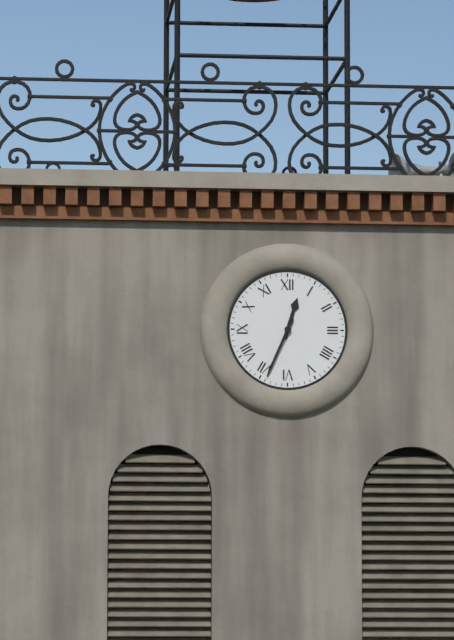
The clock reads **12:34**
